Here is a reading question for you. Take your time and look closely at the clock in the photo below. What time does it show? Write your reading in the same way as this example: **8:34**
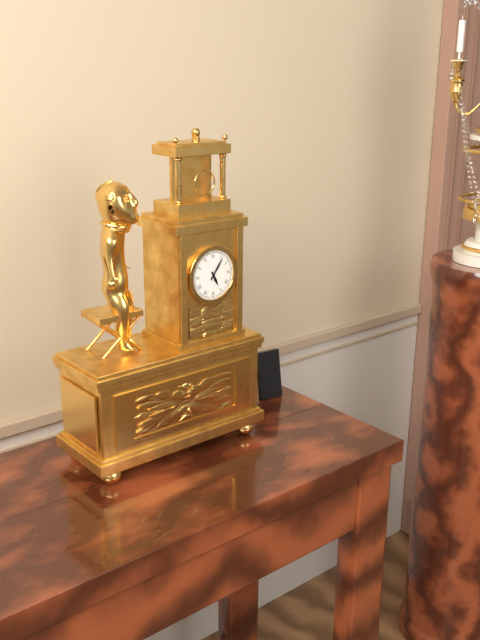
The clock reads **5:06**
